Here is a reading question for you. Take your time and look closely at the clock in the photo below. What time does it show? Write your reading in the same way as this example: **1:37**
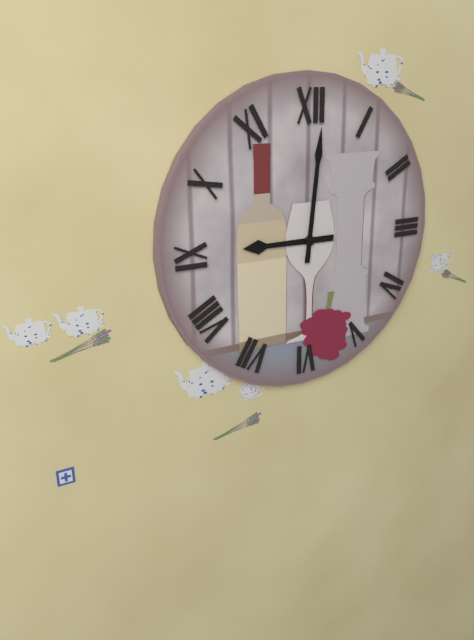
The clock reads **9:01**
